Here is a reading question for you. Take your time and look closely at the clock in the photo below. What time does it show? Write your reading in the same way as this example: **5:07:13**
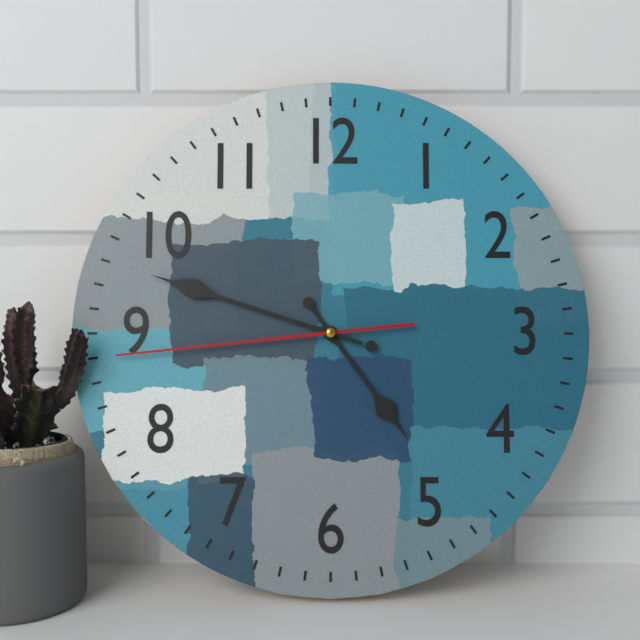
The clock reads **4:48:44**
